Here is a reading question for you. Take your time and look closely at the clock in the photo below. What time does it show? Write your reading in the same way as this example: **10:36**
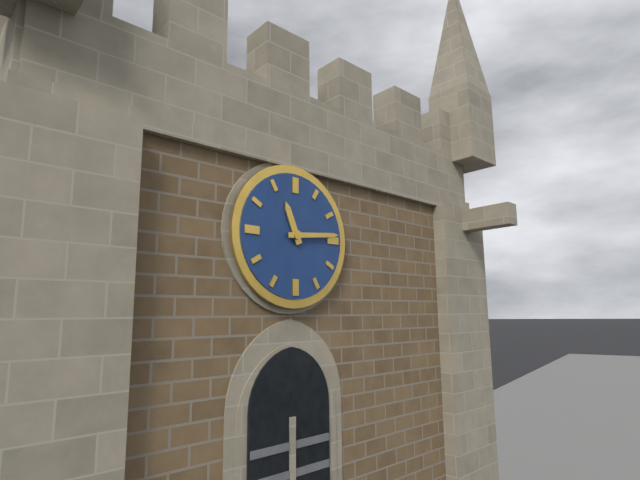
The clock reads **11:14**
